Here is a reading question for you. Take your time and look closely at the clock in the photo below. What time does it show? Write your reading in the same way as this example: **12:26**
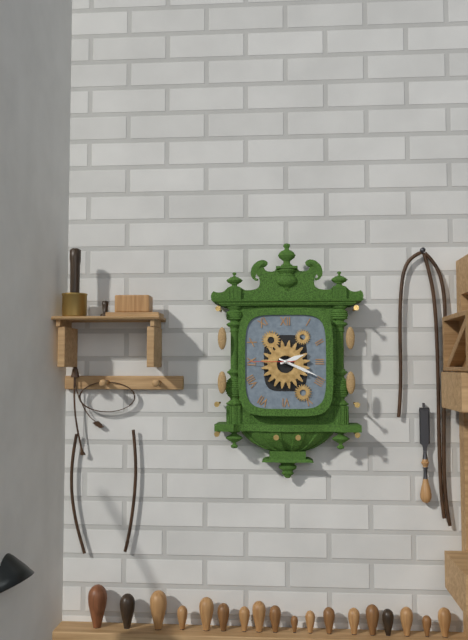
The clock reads **2:19**
